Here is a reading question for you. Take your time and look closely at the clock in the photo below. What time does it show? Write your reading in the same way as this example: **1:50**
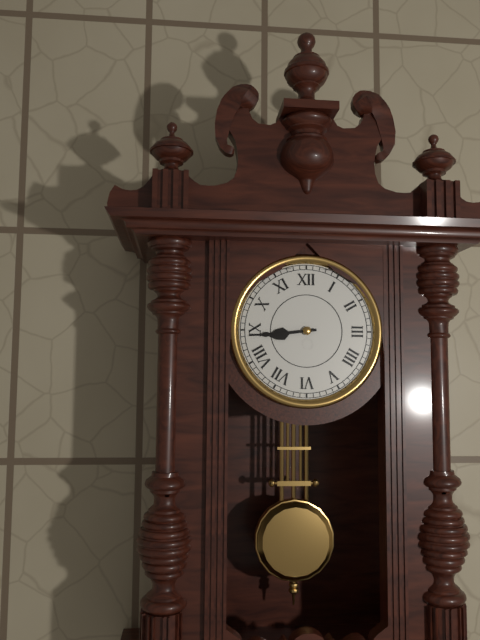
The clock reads **8:44**
